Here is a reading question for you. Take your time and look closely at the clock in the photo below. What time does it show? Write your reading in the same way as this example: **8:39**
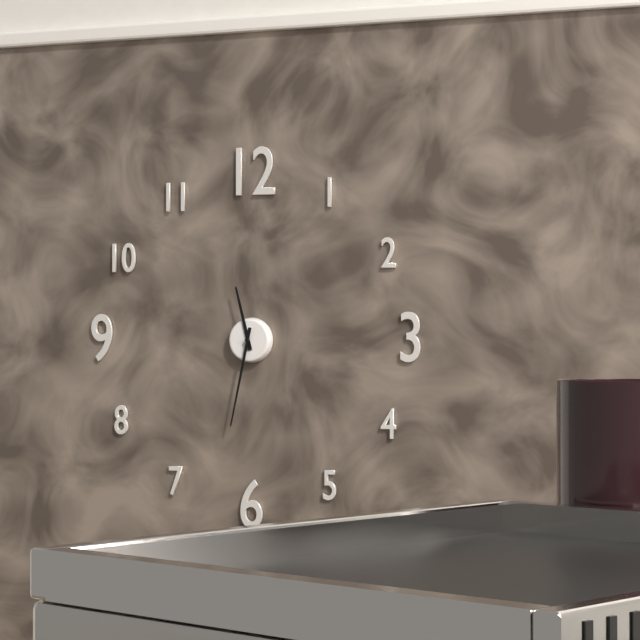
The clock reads **11:32**
